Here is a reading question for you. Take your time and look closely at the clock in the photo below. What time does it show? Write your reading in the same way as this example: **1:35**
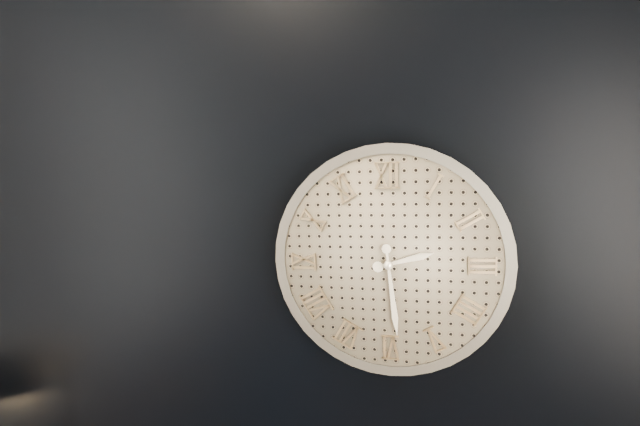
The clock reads **2:29**
